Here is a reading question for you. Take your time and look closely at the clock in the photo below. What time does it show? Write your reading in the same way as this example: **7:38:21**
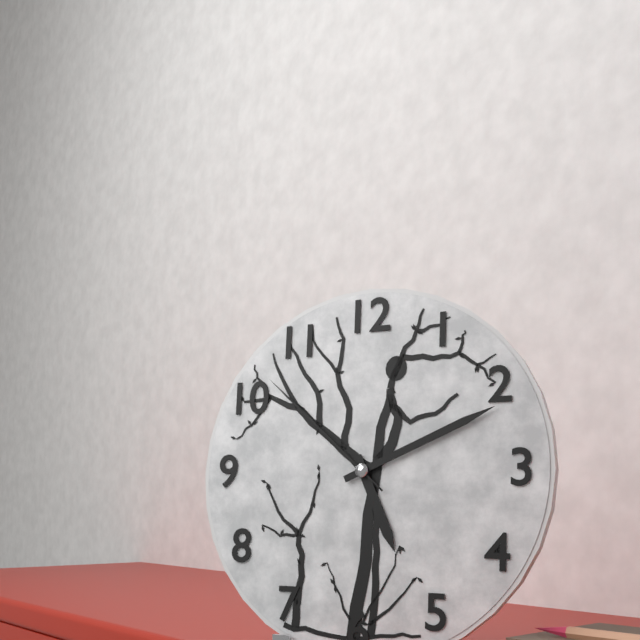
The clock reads **5:11:52**
